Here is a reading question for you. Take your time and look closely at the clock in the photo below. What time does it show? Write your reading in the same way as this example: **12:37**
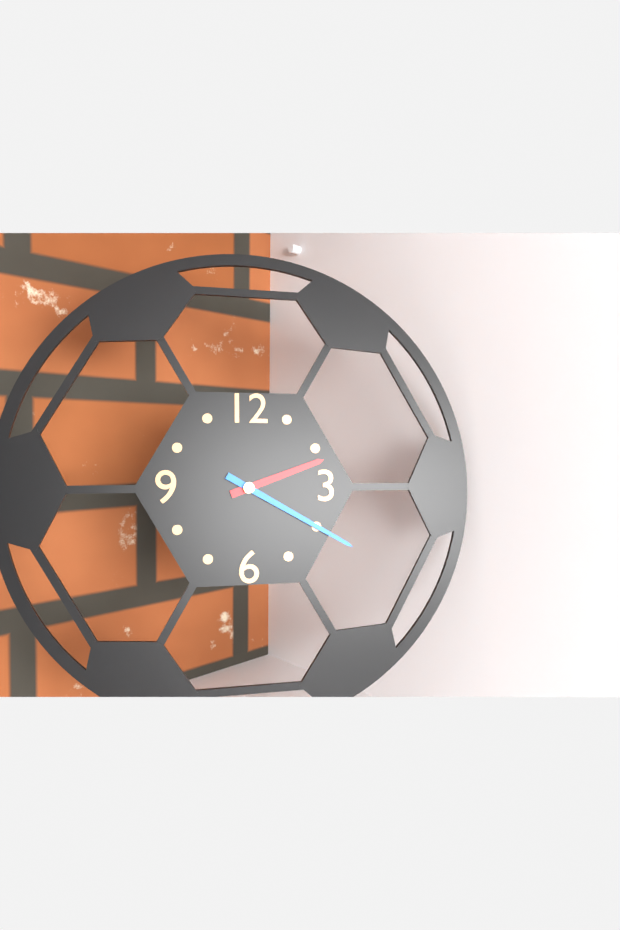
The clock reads **2:20**
